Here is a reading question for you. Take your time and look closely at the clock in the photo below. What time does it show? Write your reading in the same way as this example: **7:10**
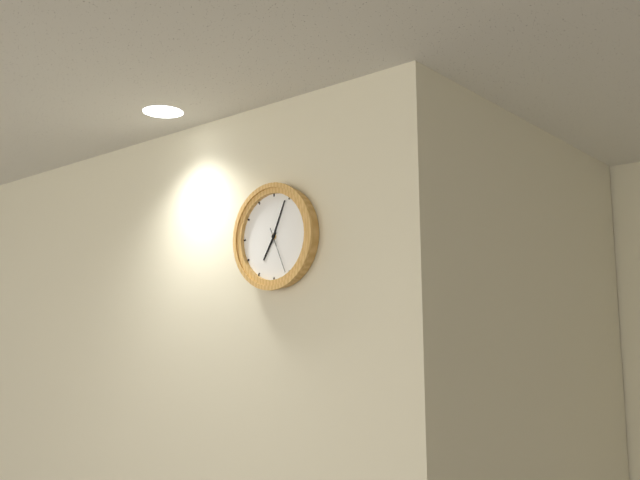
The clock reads **7:04**
